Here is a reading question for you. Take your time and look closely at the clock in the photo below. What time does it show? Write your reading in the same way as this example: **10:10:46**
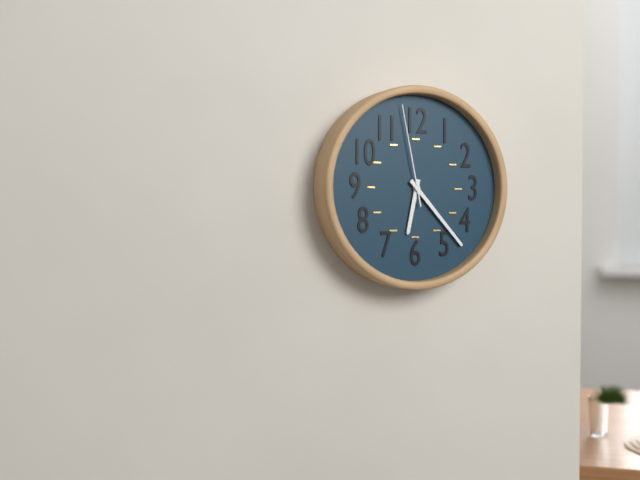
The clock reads **6:23:58**
